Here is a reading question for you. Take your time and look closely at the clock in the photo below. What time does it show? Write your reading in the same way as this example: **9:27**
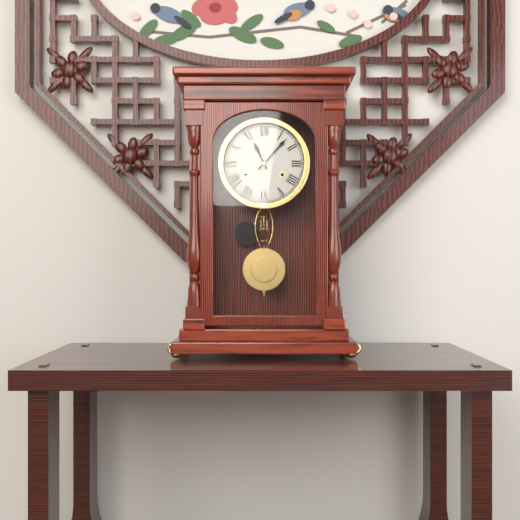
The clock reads **11:07**
